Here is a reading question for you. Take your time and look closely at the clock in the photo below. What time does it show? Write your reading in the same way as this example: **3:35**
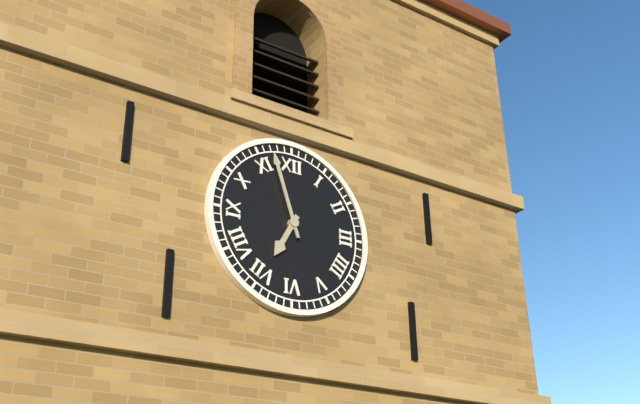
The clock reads **6:57**
